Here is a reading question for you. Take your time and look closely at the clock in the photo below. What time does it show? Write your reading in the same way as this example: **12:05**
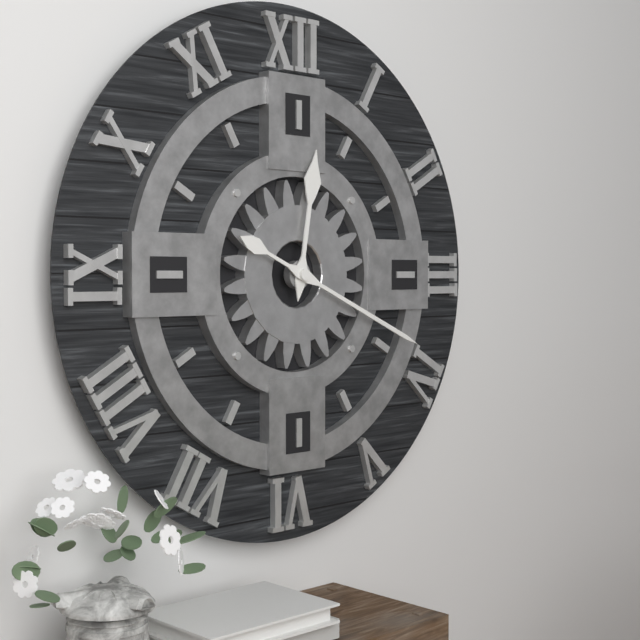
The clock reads **12:19**
